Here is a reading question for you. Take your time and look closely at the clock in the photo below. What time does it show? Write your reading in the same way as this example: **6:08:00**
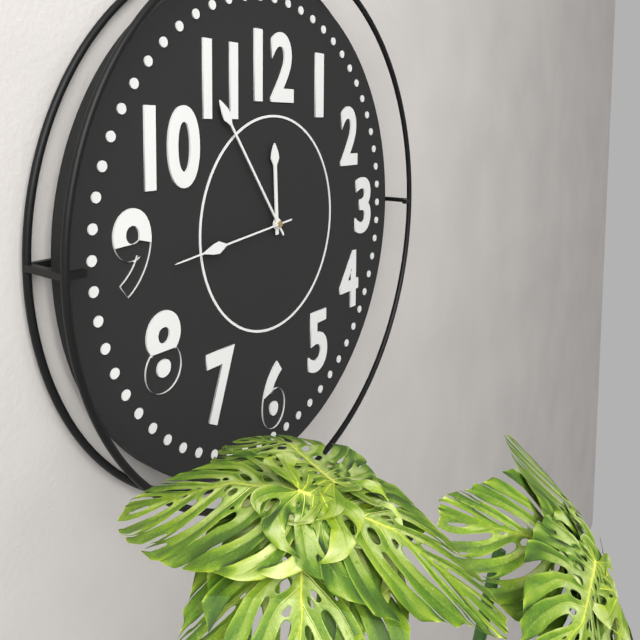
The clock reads **11:54:44**
